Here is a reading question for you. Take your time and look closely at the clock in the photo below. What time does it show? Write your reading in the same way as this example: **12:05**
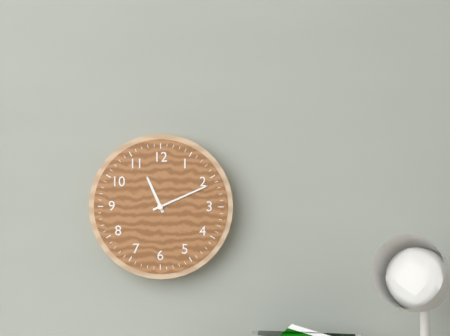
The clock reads **11:11**
